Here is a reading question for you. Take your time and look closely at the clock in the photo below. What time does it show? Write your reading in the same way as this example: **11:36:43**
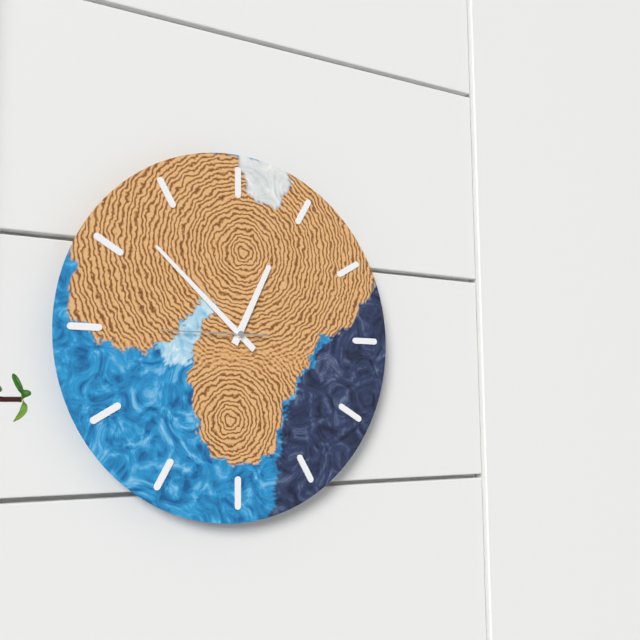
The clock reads **12:52:45**
